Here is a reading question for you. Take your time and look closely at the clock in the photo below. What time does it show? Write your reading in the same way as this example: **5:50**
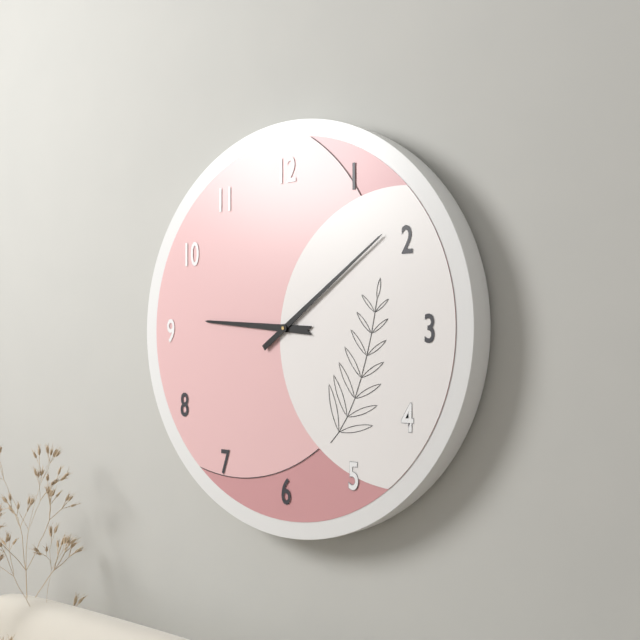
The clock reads **9:09**
